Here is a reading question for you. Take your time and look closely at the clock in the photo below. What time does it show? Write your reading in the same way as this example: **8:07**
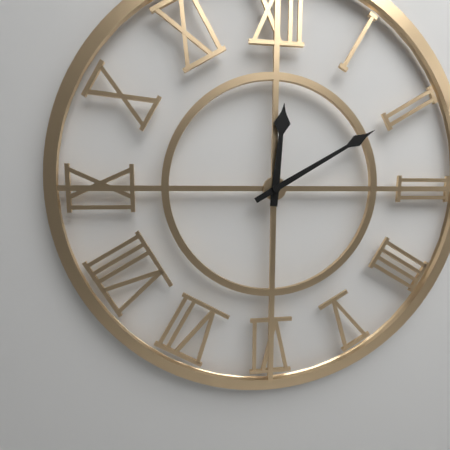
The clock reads **12:10**
